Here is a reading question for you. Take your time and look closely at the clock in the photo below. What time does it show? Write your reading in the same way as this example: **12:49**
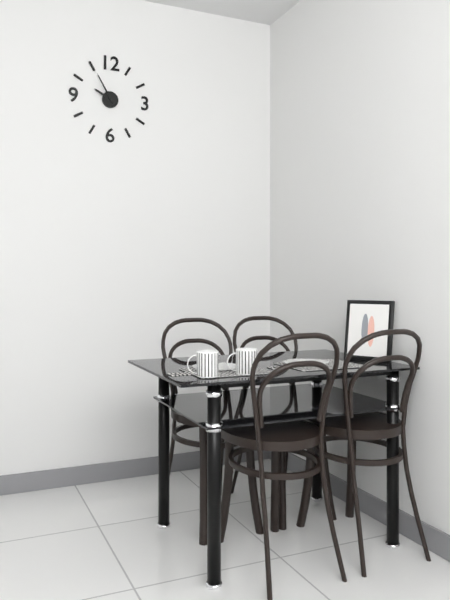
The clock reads **9:55**
